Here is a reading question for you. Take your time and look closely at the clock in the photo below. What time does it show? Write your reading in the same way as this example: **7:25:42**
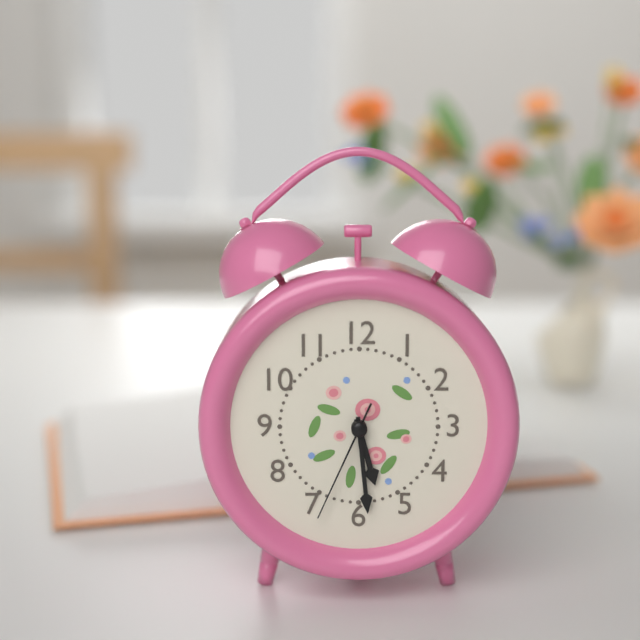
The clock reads **5:29:34**
